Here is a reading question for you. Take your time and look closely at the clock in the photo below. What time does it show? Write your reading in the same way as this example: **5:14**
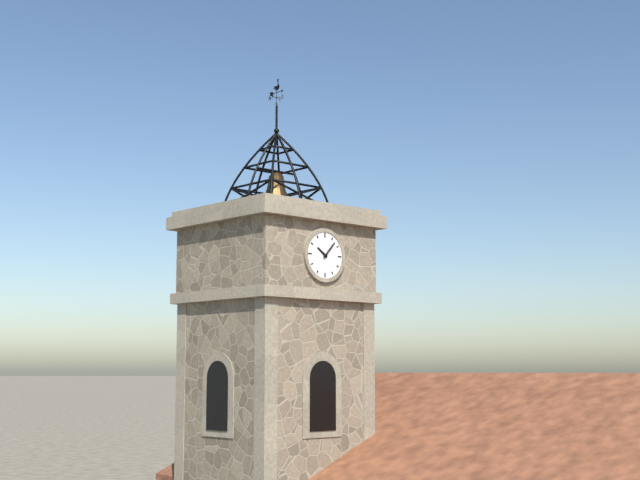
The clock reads **10:07**
